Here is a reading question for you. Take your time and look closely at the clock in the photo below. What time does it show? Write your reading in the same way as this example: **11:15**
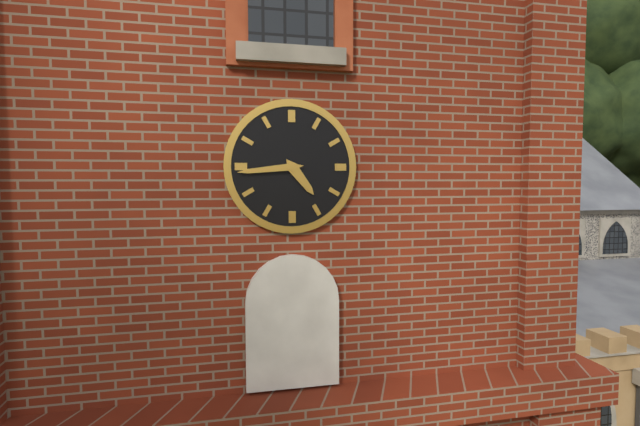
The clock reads **4:44**
